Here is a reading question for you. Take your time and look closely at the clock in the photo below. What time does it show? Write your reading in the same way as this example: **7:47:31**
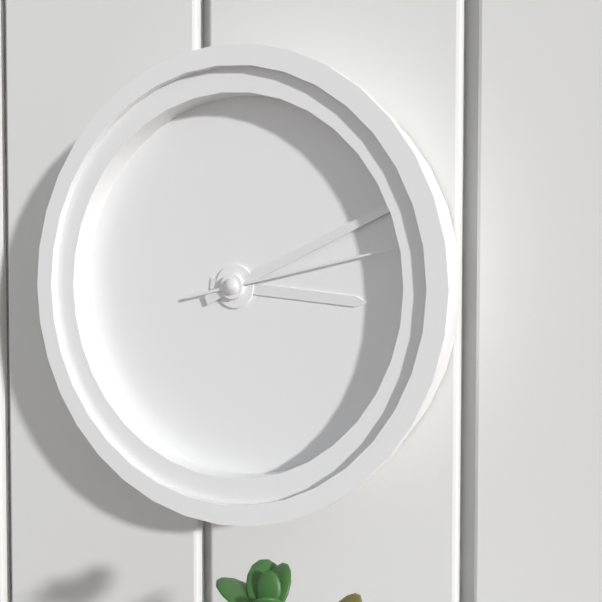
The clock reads **3:11:13**
